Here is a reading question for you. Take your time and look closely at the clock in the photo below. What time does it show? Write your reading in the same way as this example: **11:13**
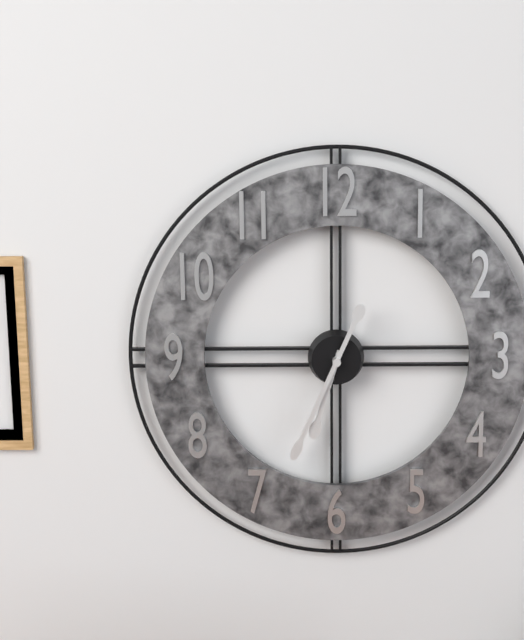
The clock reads **6:34**
